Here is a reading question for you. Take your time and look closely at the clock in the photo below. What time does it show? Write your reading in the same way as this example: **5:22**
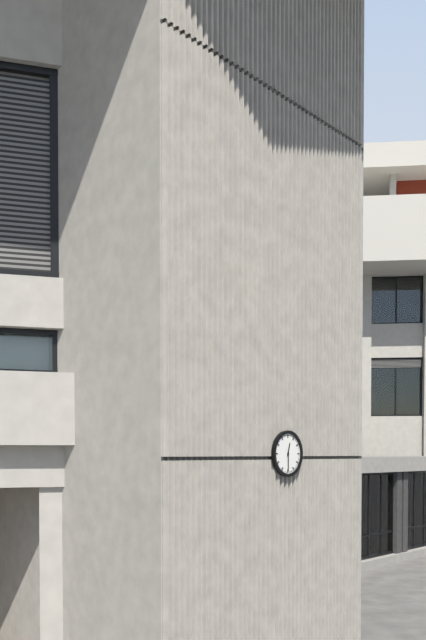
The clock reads **12:30**
